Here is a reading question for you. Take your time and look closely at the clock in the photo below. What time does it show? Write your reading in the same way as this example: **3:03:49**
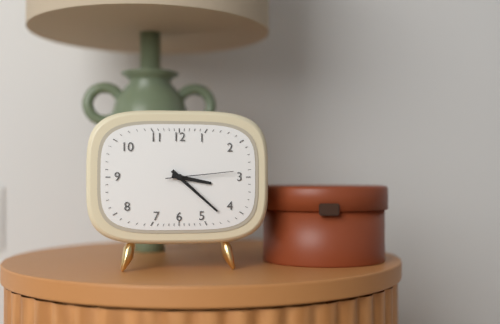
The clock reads **3:22:14**
